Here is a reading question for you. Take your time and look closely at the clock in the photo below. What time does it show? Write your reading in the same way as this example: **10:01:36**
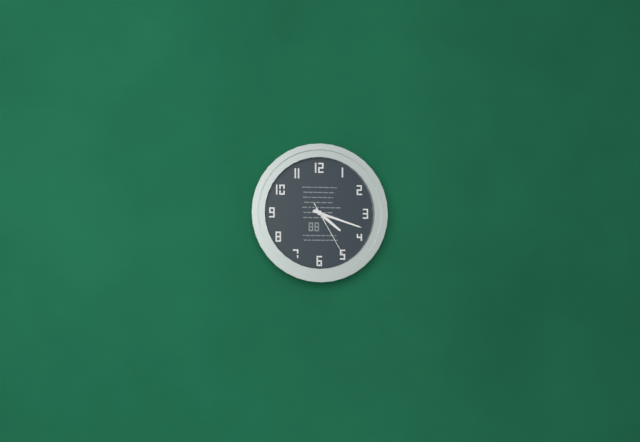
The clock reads **4:18:25**
